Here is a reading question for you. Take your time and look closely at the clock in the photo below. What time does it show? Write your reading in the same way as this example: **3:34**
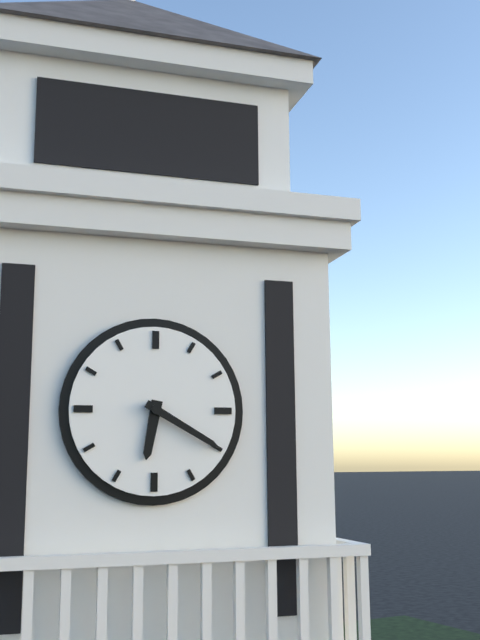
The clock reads **6:20**
